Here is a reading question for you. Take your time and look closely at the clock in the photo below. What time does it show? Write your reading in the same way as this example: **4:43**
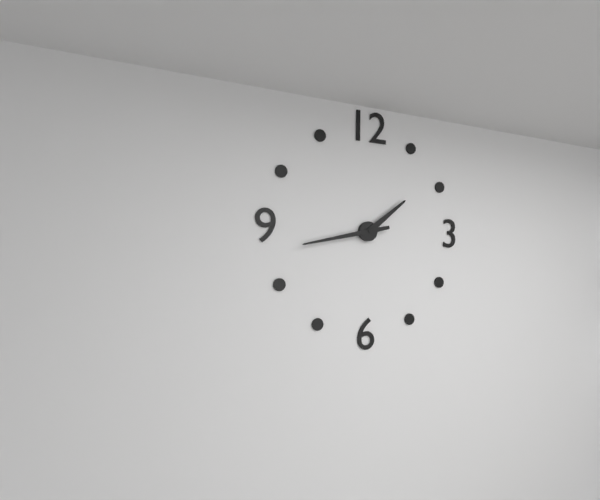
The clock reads **1:43**
